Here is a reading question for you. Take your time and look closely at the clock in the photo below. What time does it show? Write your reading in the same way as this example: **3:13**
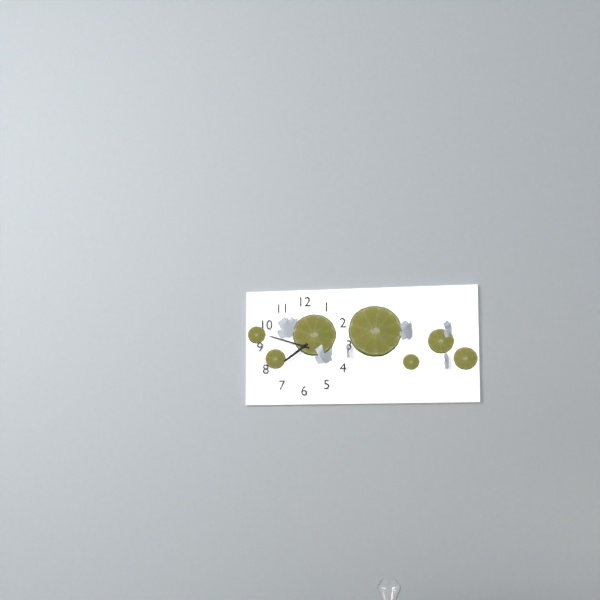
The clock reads **7:48**
